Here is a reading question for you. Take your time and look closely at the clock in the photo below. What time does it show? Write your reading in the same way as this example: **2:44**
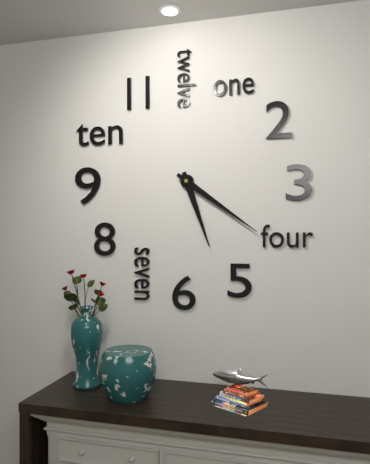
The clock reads **5:21**
